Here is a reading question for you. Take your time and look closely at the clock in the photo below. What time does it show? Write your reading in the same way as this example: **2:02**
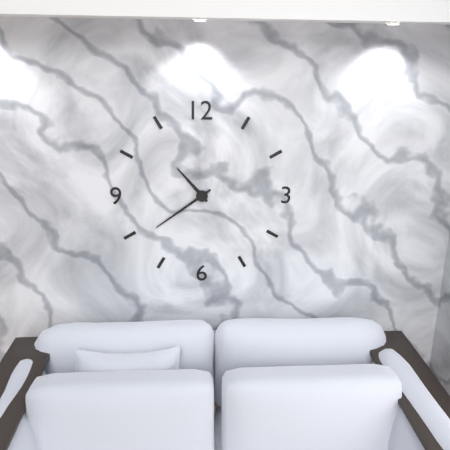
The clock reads **10:39**
